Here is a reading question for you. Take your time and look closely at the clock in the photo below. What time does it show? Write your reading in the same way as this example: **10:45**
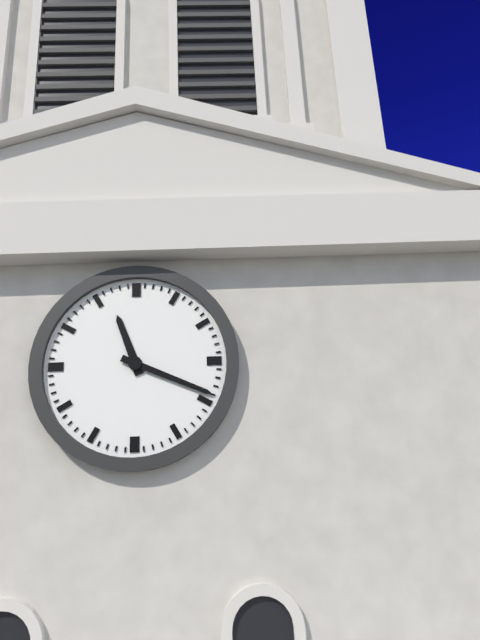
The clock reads **11:19**
